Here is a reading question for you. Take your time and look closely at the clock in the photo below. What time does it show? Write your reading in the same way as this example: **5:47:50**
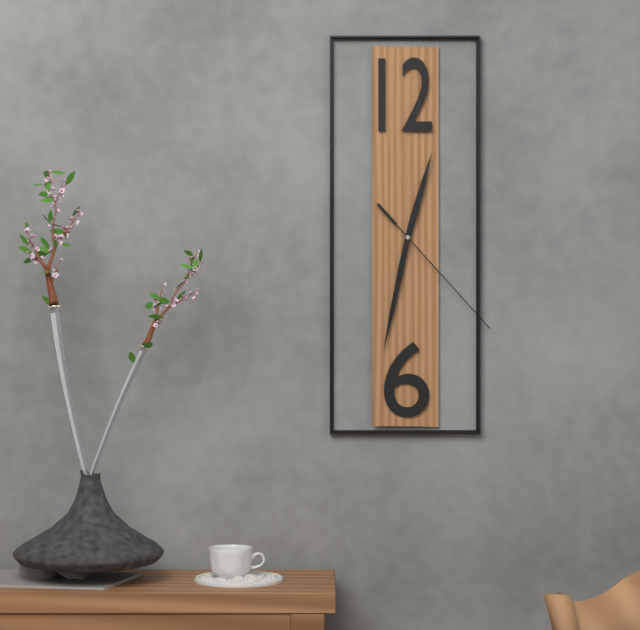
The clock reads **12:32:23**
